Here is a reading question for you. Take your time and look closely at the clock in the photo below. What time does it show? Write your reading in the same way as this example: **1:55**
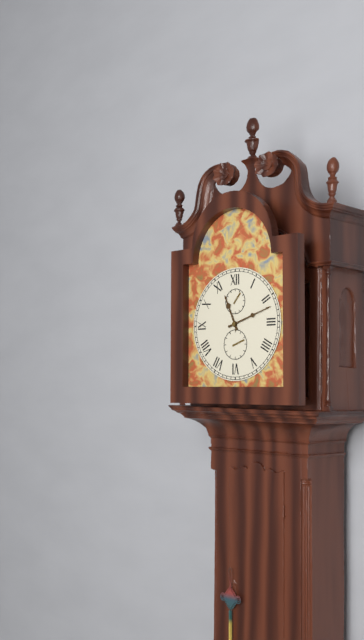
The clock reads **11:12**
